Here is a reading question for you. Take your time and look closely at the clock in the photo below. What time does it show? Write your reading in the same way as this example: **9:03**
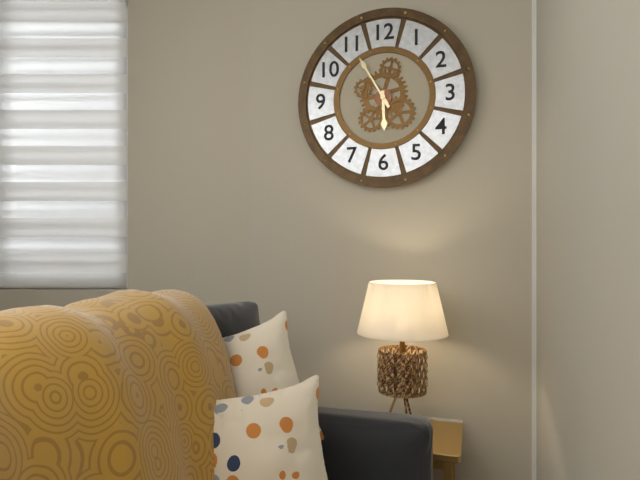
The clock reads **5:55**
